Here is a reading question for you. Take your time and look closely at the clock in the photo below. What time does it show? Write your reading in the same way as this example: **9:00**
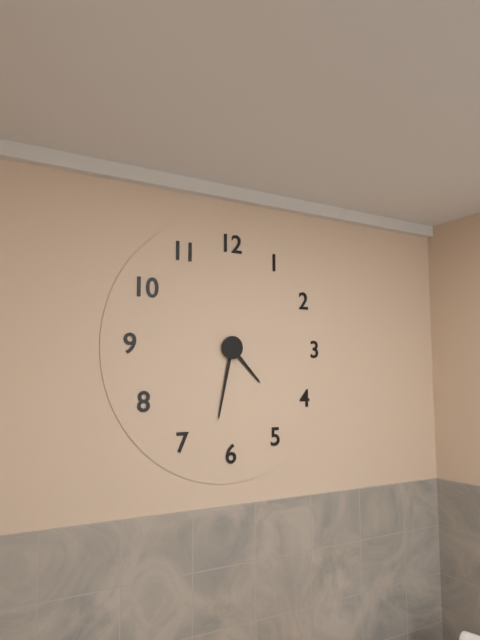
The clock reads **4:32**
